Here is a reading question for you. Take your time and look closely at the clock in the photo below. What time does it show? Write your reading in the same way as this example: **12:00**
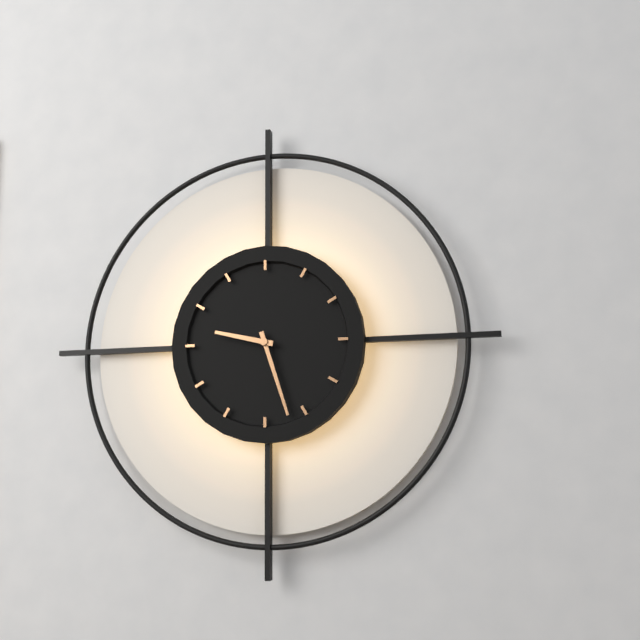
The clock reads **9:27**
